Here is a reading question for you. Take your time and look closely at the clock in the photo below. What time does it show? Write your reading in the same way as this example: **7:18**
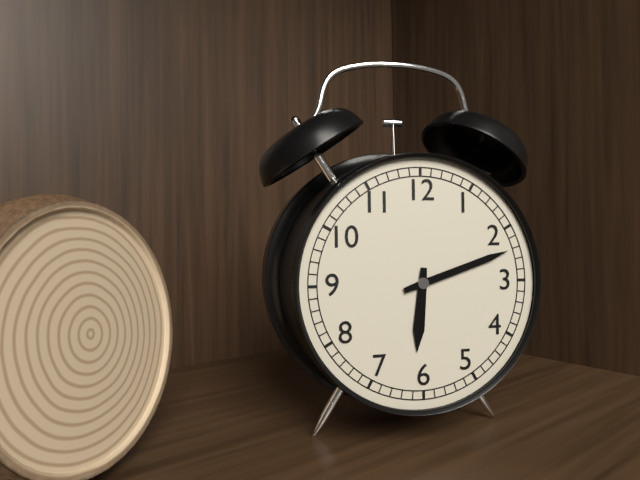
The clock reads **6:12**
